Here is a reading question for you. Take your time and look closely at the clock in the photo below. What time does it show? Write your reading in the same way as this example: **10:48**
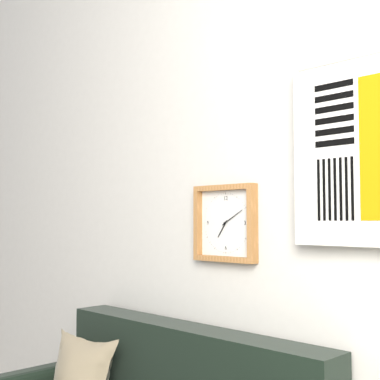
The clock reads **7:10**
